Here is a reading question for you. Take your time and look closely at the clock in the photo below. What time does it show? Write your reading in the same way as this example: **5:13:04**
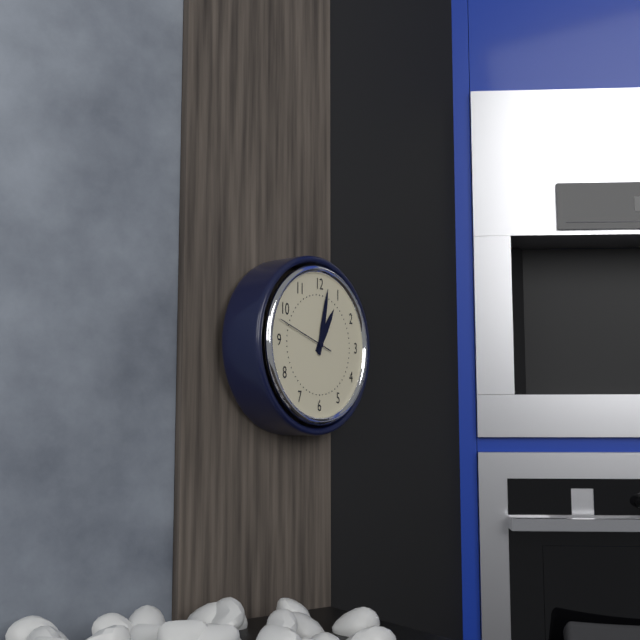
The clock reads **1:02:48**
